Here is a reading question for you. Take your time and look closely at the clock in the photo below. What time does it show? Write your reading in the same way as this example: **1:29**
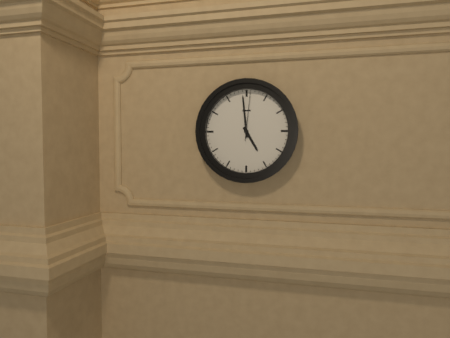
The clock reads **4:59**
